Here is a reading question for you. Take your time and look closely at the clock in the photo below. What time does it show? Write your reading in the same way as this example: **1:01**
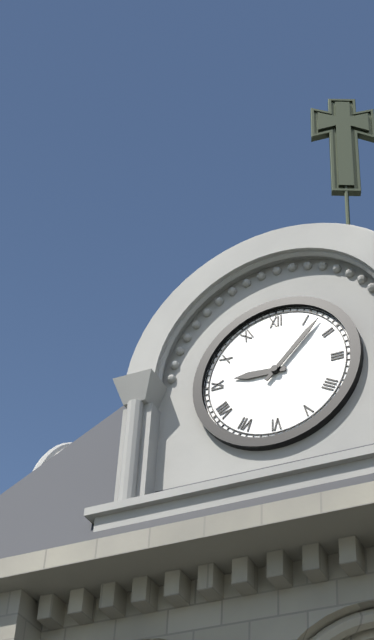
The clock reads **9:07**
